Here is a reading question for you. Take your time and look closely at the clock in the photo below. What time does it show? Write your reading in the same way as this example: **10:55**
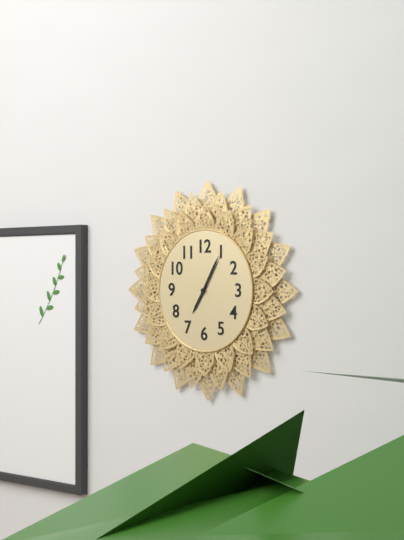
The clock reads **7:05**
